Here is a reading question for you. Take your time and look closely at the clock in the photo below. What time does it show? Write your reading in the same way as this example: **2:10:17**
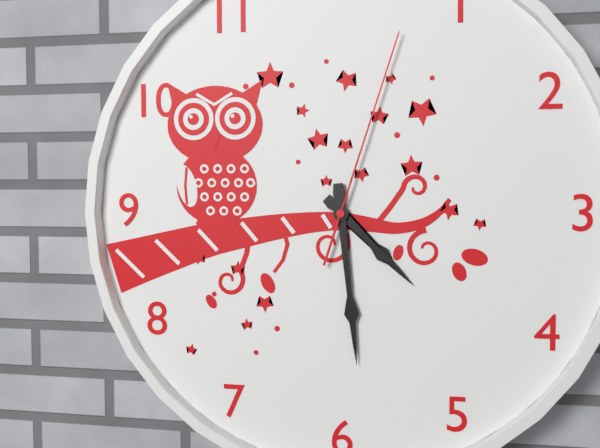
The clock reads **4:29:03**
